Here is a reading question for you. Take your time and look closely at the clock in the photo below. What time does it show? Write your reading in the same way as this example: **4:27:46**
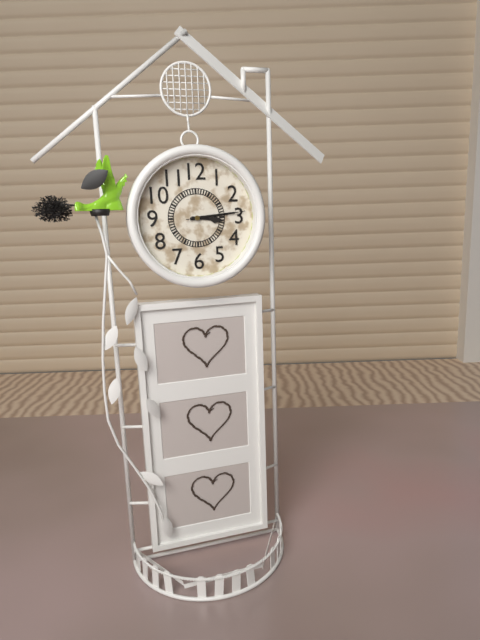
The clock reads **3:14:14**
